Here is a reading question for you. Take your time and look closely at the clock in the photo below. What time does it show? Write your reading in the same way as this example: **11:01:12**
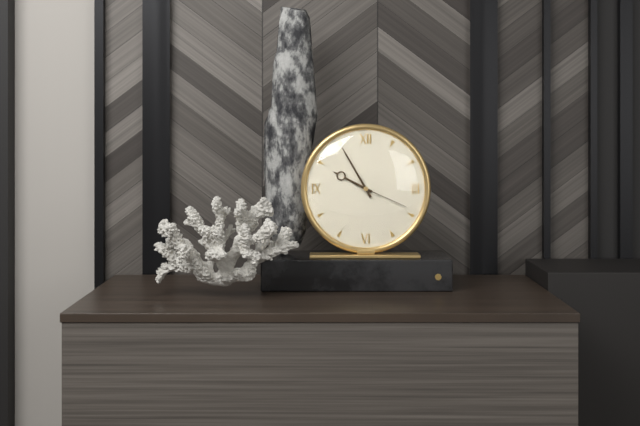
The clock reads **9:55:19**
